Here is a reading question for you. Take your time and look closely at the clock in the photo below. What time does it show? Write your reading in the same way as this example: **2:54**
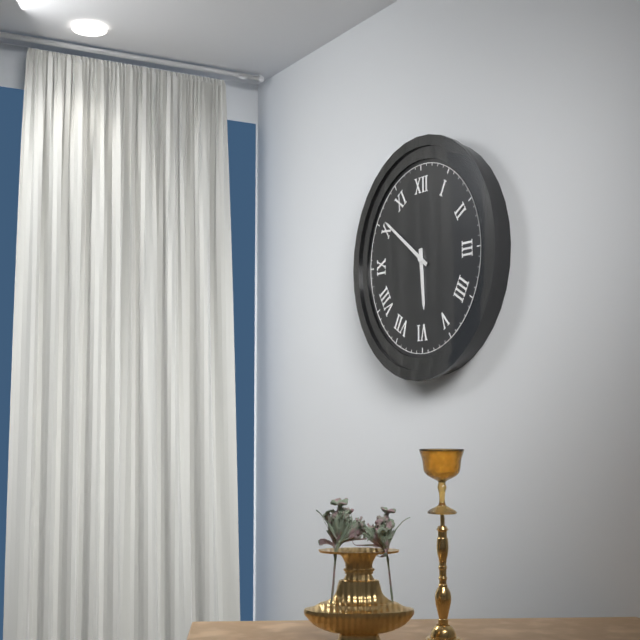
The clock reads **5:51**
